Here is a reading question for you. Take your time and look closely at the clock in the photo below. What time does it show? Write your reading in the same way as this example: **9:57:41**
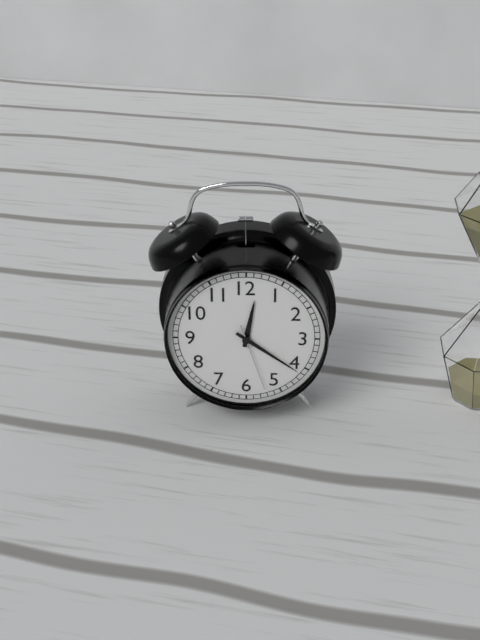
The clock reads **12:21:27**
